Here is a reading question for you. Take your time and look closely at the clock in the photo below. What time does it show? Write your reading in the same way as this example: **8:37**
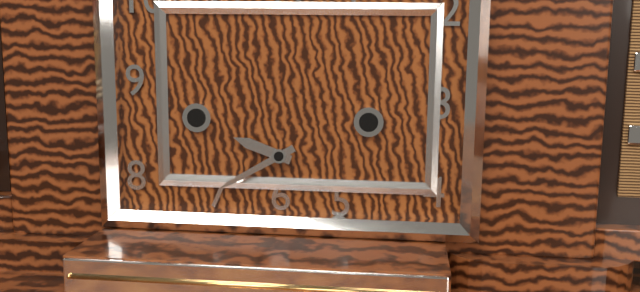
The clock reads **9:40**
